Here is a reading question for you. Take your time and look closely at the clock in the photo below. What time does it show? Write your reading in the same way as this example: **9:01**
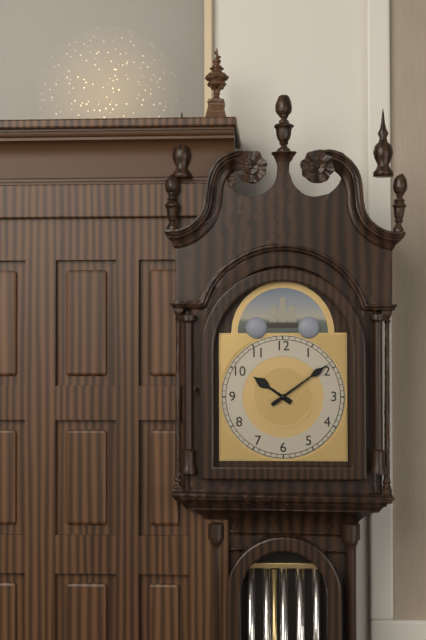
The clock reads **10:09**
